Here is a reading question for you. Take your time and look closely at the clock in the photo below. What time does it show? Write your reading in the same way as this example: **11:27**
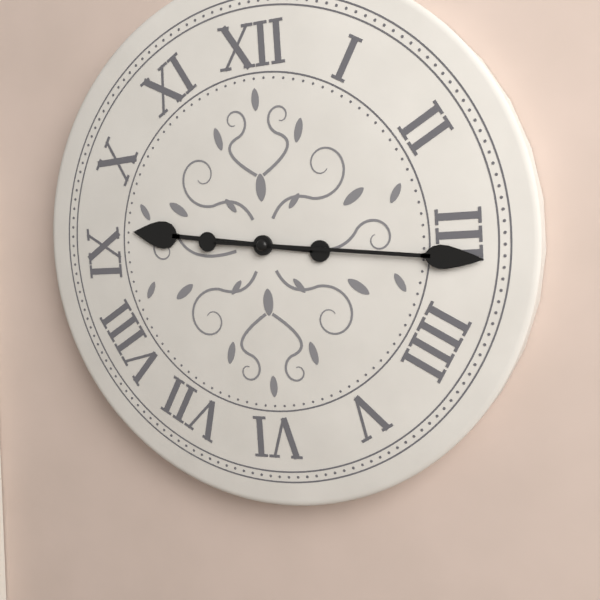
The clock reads **9:16**
